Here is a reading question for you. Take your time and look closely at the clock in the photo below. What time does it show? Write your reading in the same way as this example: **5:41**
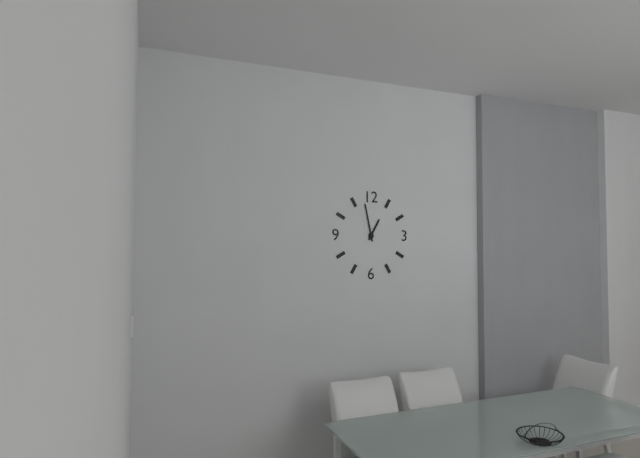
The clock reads **12:58**
